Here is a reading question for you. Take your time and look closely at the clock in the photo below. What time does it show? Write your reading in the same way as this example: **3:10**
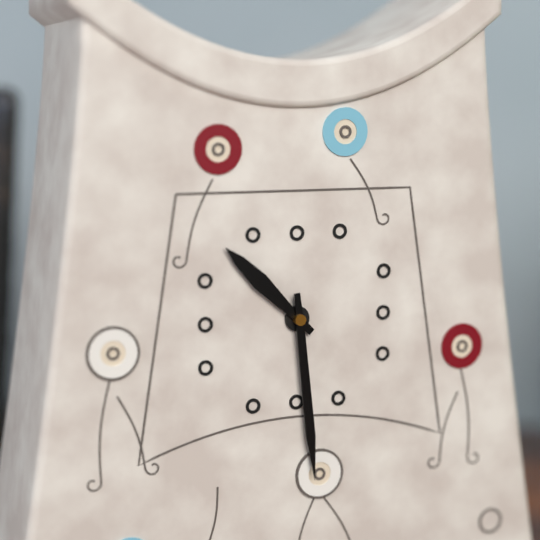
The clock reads **10:29**
